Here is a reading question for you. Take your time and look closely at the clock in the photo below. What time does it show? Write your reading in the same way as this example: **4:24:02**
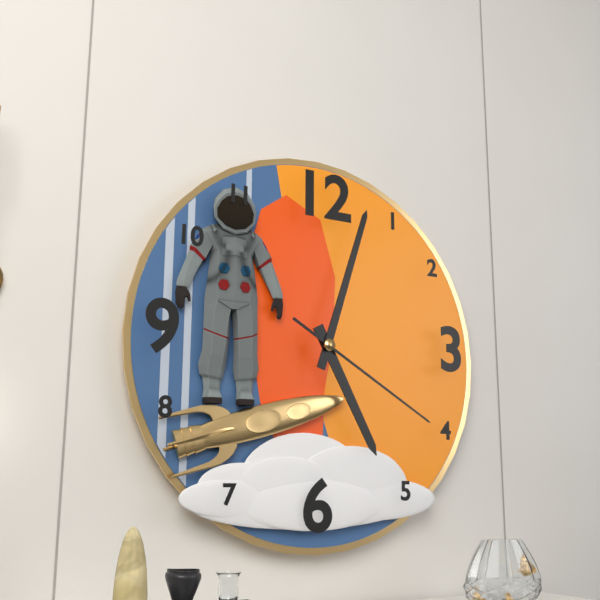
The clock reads **5:03:20**
